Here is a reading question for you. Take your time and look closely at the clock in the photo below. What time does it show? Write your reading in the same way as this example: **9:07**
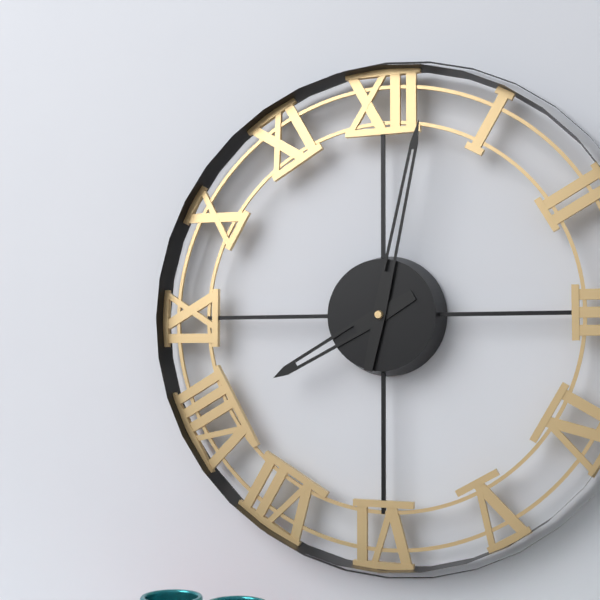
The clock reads **8:02**
